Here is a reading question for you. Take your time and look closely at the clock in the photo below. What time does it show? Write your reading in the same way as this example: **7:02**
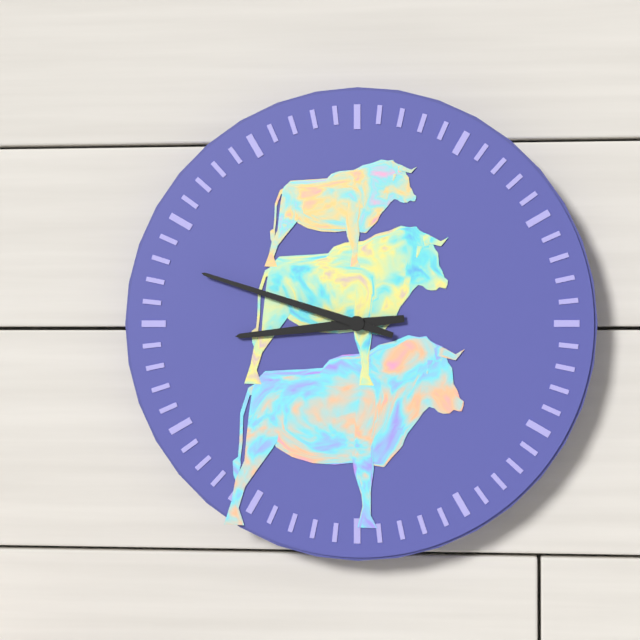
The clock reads **8:48**
